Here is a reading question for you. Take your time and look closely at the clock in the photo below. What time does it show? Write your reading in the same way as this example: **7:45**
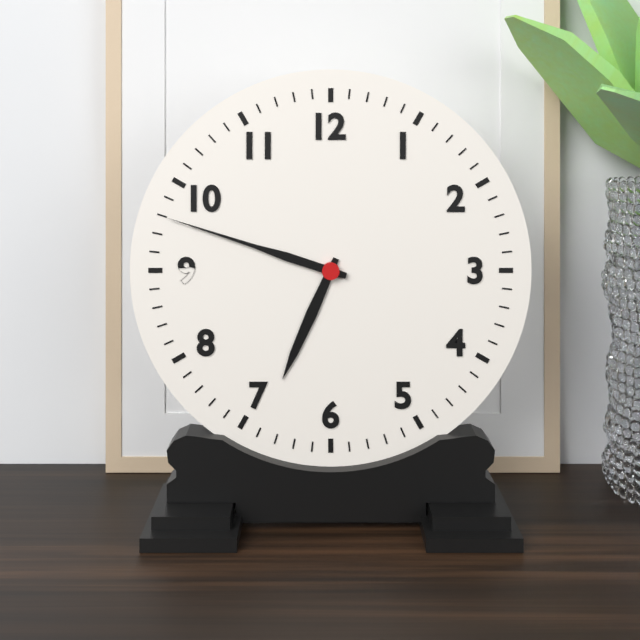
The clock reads **6:48**
